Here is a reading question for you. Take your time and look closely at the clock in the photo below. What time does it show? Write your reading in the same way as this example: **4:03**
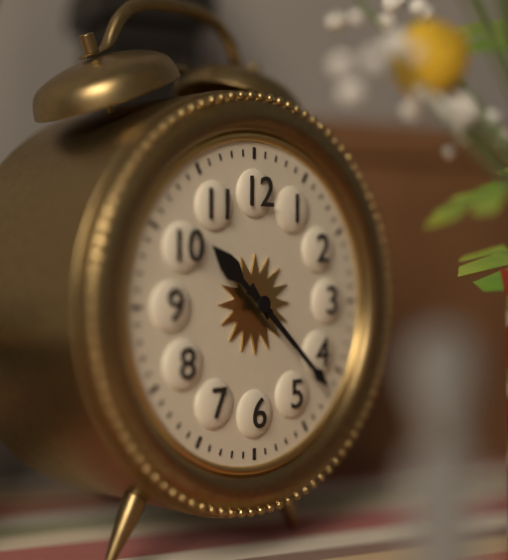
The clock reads **10:22**
